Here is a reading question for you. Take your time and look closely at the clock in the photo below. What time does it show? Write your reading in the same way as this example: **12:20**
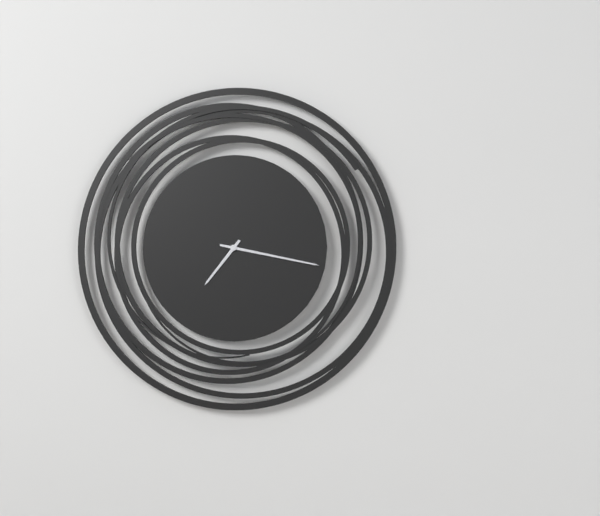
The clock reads **7:17**
